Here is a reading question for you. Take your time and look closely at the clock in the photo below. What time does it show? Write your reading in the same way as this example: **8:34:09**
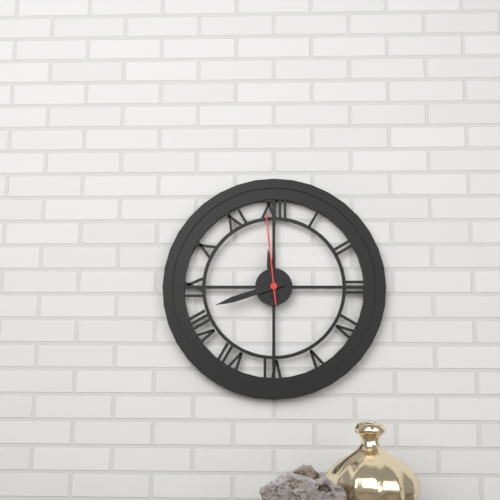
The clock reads **11:42:59**
